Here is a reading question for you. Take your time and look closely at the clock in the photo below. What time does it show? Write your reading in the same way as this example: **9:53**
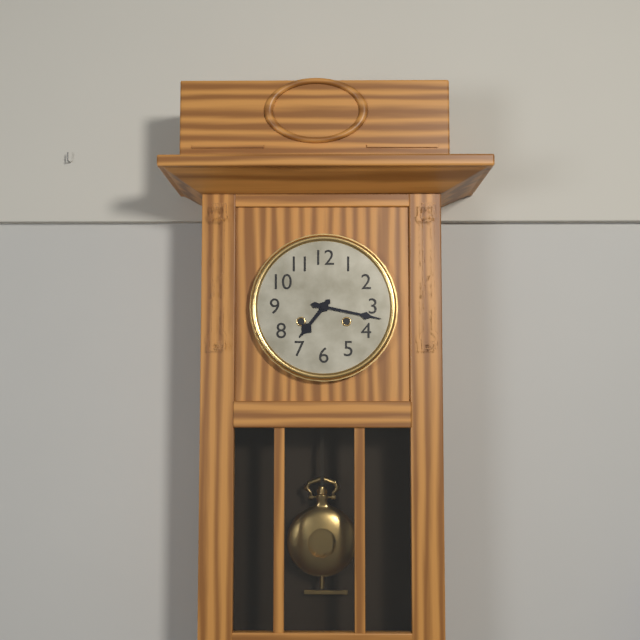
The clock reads **7:17**
